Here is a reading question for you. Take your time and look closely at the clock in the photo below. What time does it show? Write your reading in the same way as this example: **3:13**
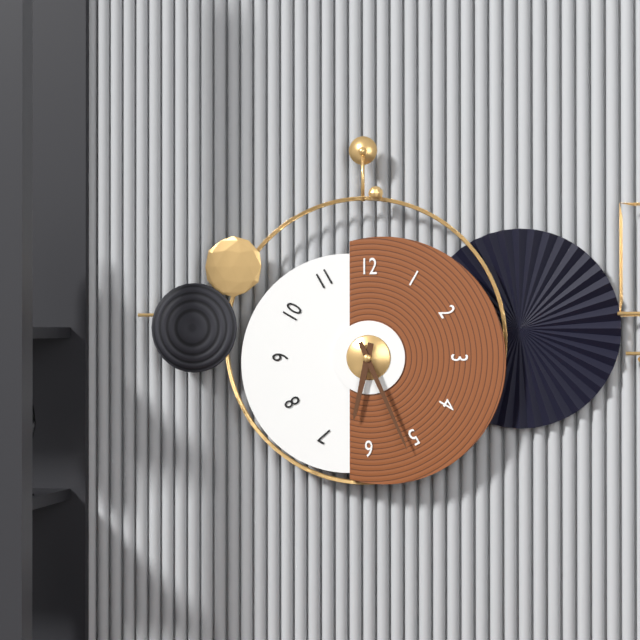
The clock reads **6:26**
